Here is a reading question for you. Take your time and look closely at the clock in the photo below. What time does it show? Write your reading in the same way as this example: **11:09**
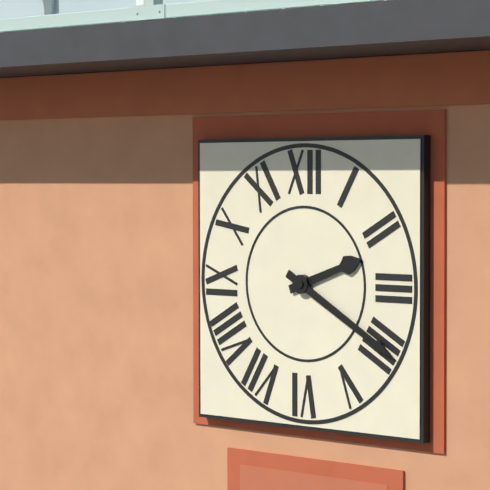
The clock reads **2:20**
